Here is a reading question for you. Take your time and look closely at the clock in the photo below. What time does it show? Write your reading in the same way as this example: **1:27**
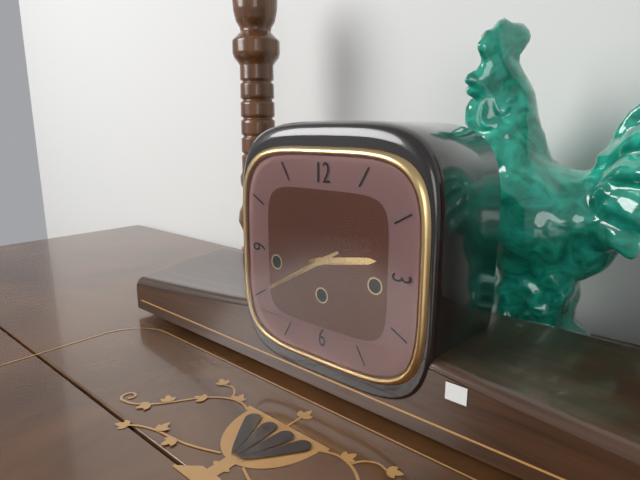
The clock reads **2:40**
